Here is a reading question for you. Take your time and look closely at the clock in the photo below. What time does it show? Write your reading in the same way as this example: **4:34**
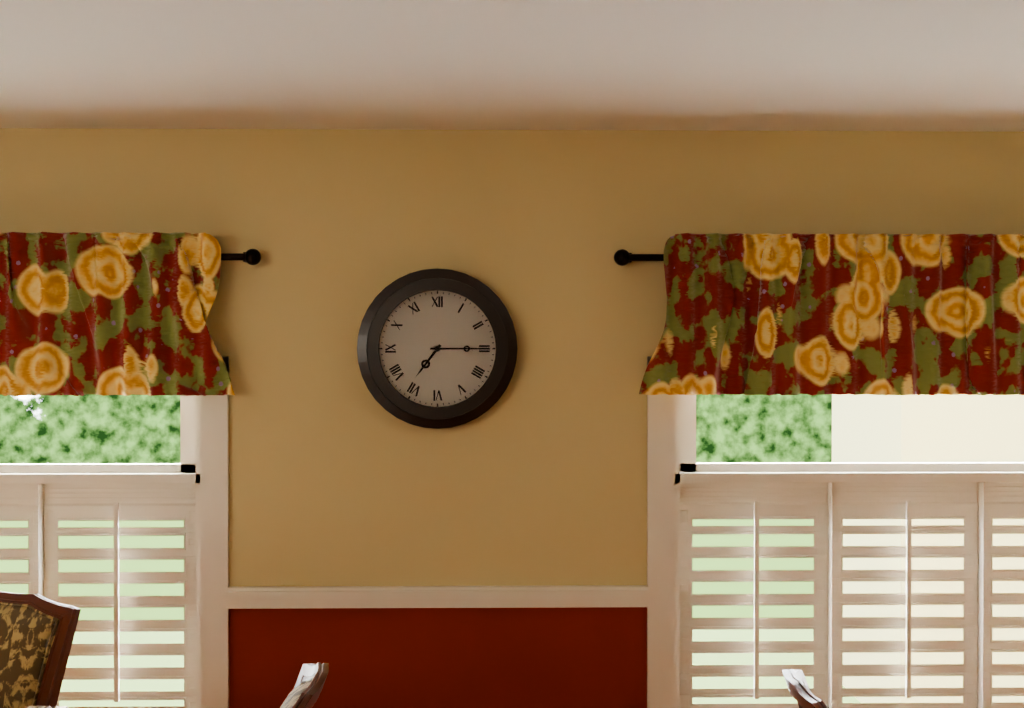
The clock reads **7:15**
